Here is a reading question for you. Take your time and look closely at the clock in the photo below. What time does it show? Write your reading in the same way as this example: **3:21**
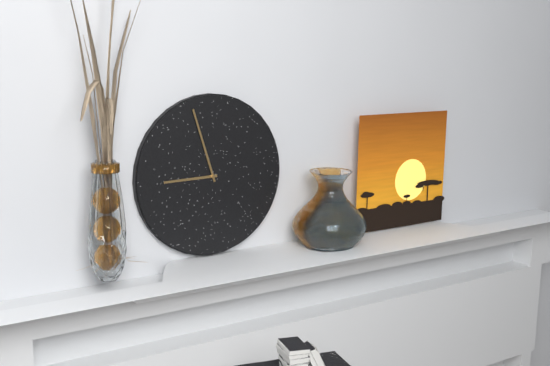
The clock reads **8:57**
